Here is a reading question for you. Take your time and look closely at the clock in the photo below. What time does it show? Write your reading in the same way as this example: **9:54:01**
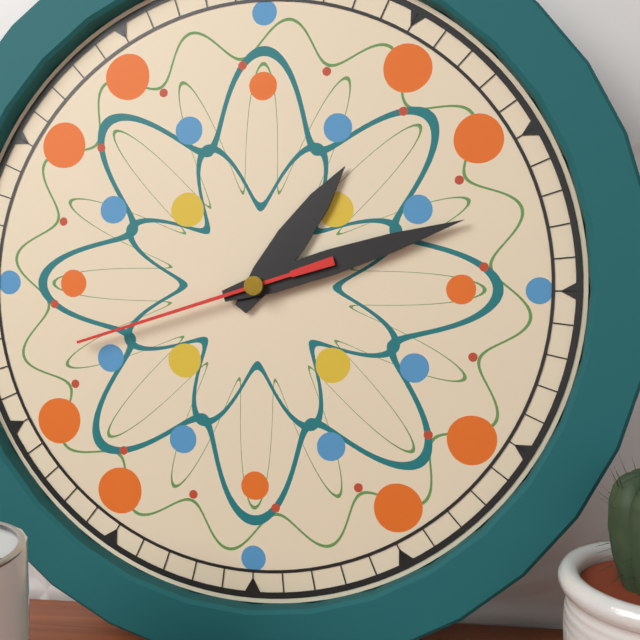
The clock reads **1:12:42**
